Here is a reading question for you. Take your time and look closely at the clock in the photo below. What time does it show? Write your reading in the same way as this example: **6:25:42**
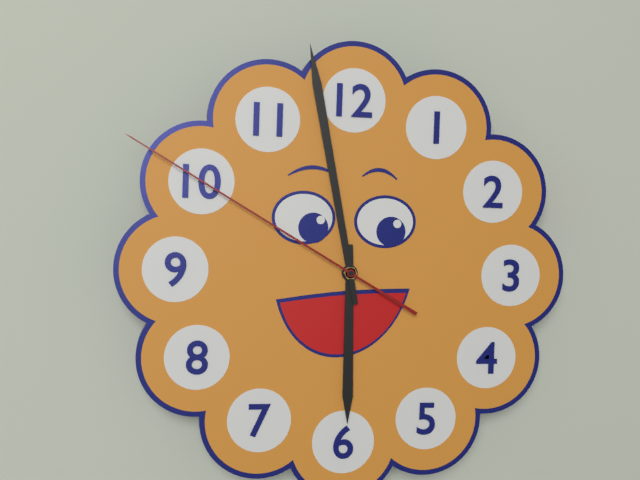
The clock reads **5:58:50**
